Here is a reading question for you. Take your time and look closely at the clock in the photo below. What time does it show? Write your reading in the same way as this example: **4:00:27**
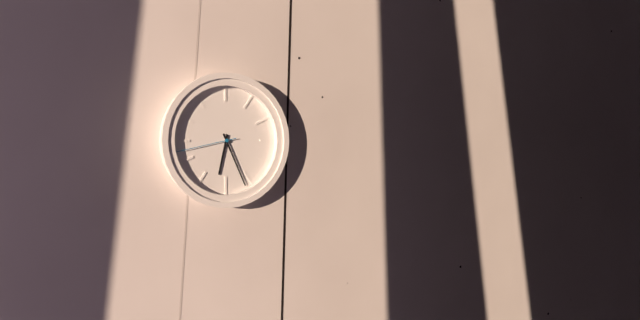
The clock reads **6:26:43**
